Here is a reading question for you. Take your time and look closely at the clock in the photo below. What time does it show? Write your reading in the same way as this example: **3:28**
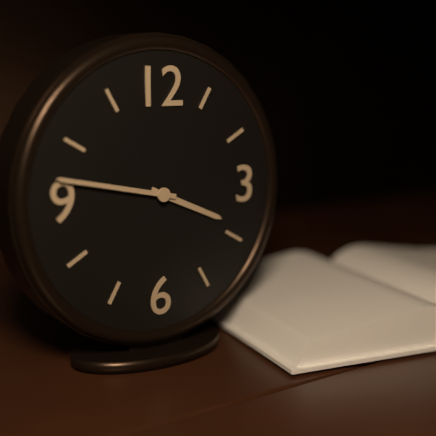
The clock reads **3:47**
